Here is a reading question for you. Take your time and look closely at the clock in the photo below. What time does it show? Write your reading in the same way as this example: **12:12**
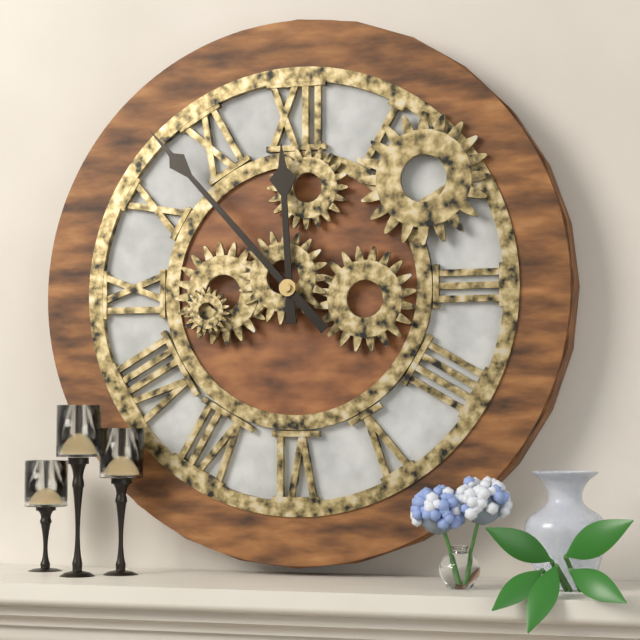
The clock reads **11:53**
